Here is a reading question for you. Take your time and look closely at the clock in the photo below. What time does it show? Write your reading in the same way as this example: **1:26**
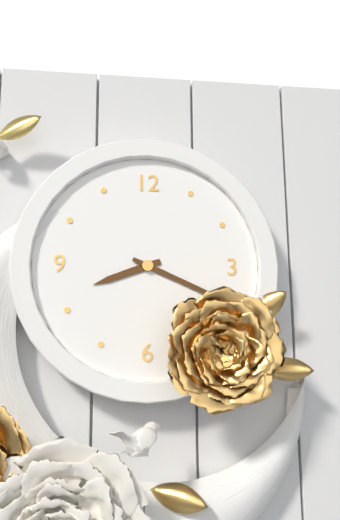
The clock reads **8:19**
